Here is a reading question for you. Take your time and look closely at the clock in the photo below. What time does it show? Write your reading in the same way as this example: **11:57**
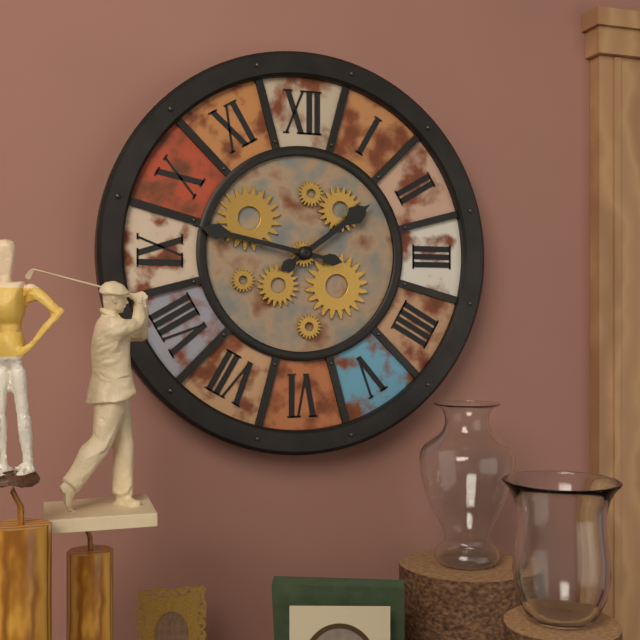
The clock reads **1:47**
